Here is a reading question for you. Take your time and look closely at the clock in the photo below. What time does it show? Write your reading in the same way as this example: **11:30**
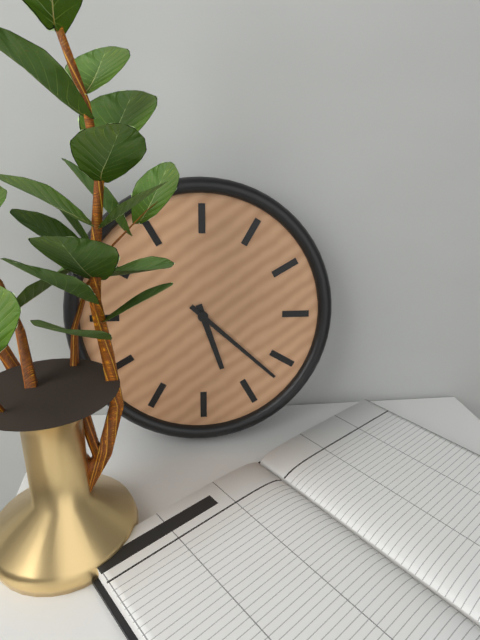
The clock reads **5:22**
